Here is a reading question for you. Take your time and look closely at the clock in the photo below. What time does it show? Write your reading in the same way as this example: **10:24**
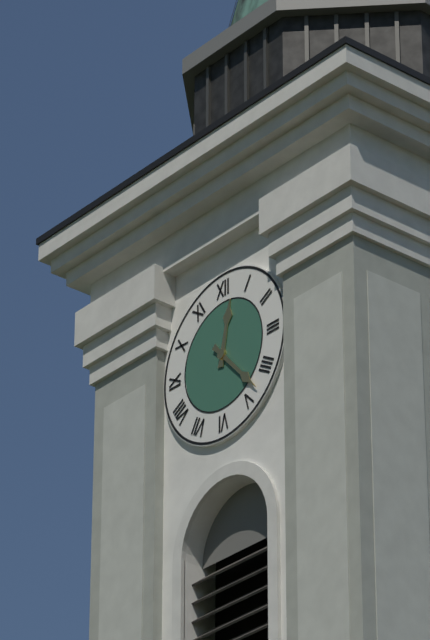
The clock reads **12:23**
